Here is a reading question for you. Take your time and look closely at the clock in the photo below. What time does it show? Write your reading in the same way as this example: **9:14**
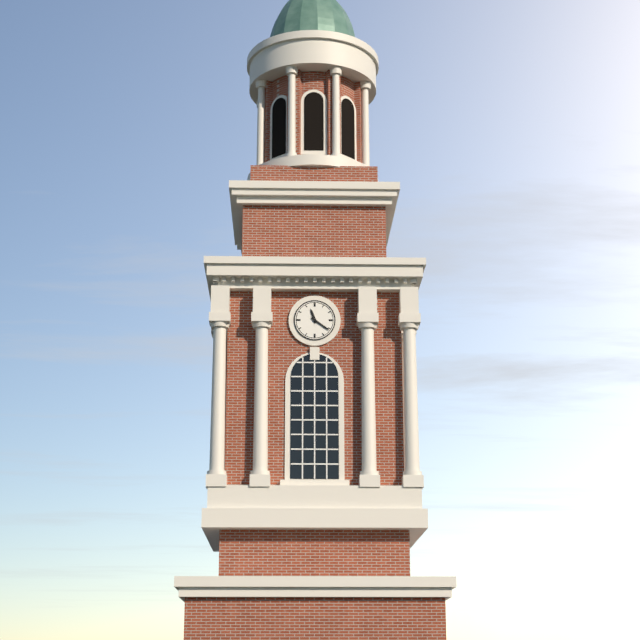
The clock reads **11:21**
